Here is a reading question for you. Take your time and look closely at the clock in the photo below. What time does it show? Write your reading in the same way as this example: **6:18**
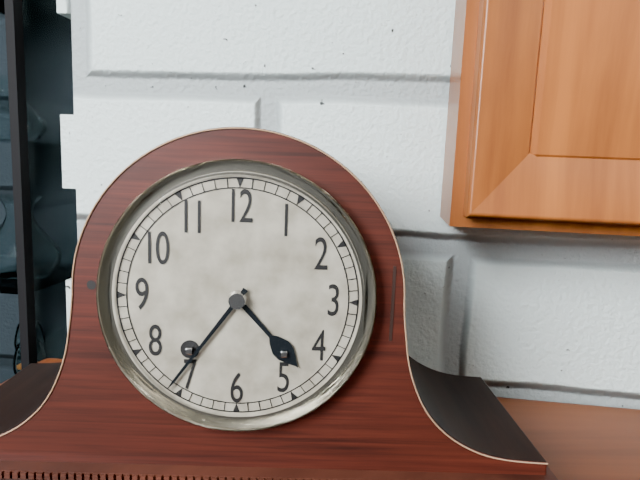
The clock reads **4:36**
